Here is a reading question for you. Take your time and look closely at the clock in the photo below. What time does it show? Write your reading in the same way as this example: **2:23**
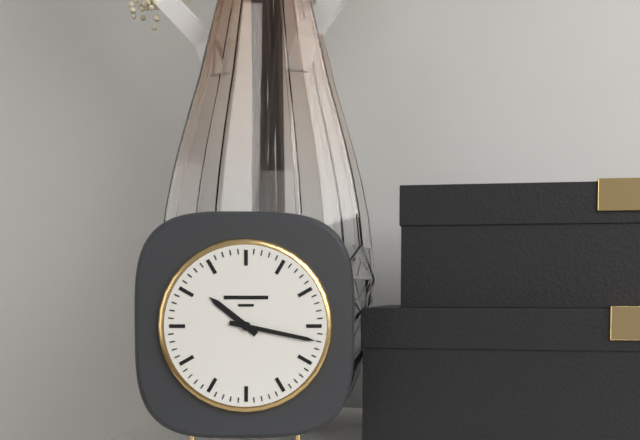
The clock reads **10:17**
